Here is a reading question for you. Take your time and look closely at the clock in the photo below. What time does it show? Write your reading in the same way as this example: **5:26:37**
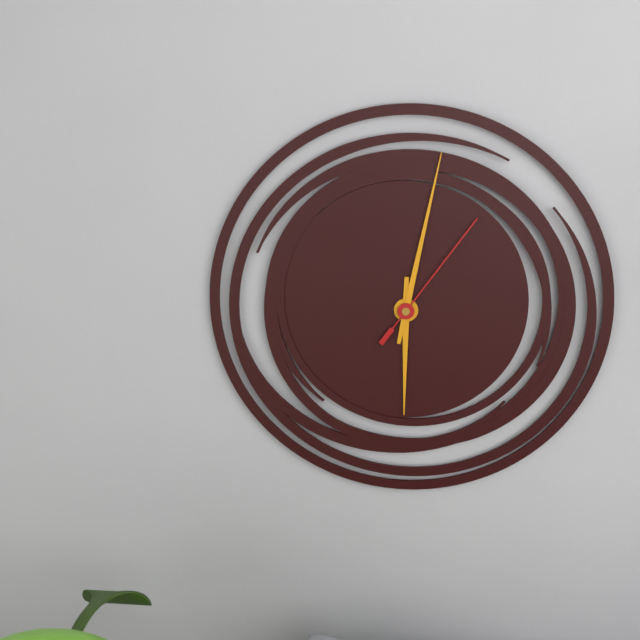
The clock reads **6:02:06**
